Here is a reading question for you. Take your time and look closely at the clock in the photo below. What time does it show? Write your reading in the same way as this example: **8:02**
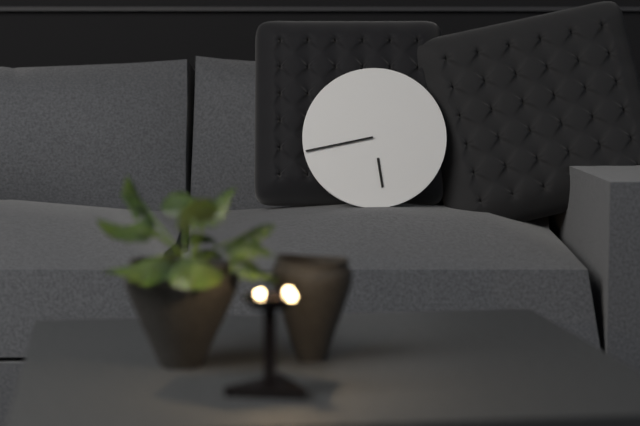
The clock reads **5:43**
